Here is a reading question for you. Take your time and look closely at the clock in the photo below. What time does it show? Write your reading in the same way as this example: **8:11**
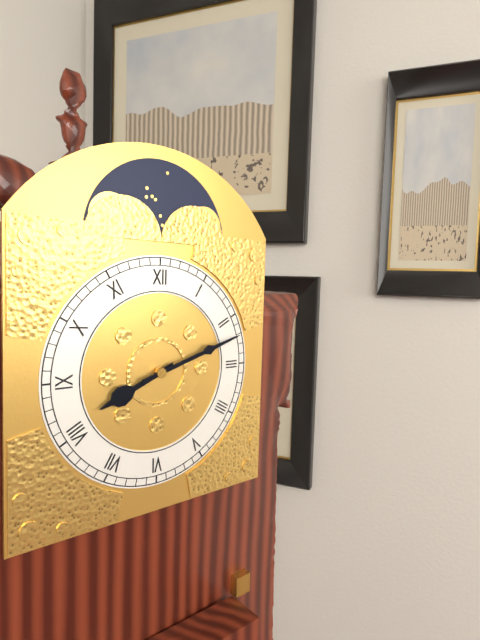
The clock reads **8:12**
